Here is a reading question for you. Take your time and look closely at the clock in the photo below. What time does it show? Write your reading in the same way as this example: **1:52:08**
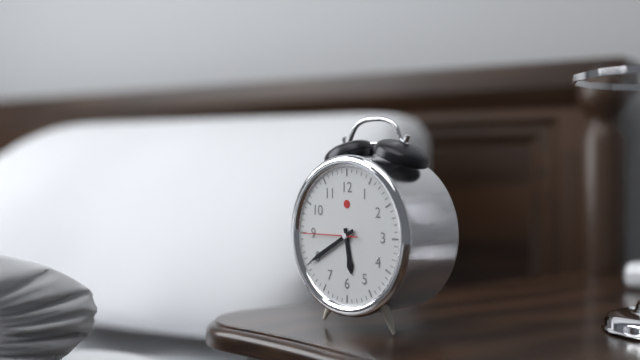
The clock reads **5:40:45**
